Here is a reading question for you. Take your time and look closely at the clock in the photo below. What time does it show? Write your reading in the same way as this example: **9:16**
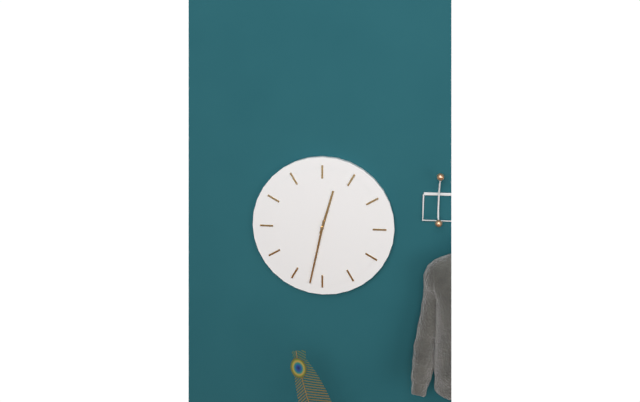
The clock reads **12:32**
